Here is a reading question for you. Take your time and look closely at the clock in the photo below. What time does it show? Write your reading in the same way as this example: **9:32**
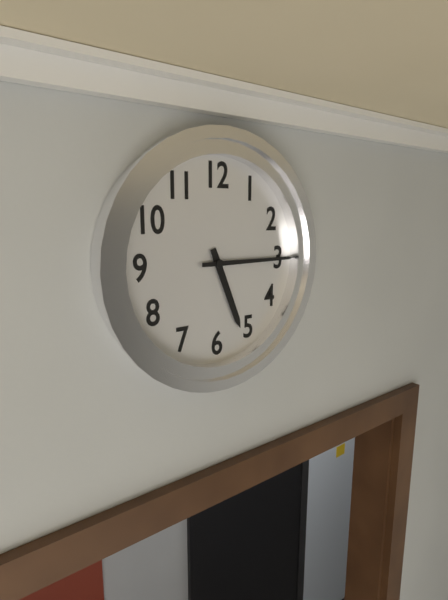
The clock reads **5:15**
